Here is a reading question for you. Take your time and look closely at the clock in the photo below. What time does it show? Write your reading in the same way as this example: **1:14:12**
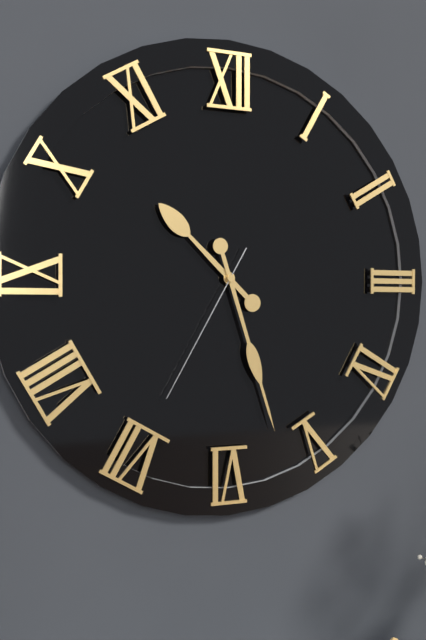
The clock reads **10:27:35**
